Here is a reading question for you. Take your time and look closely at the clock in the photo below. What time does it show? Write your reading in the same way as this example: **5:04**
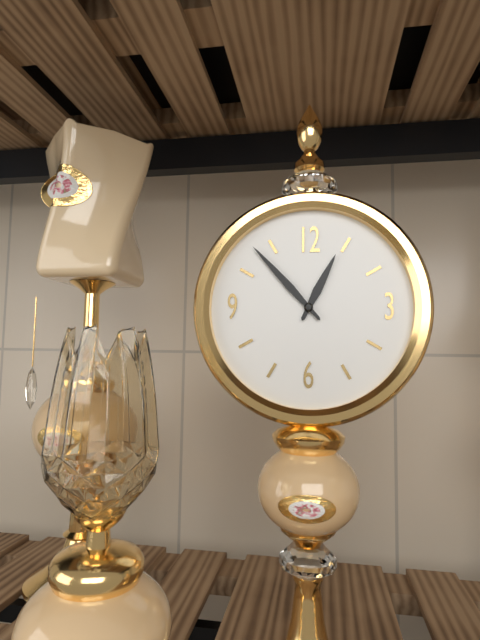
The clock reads **12:53**
